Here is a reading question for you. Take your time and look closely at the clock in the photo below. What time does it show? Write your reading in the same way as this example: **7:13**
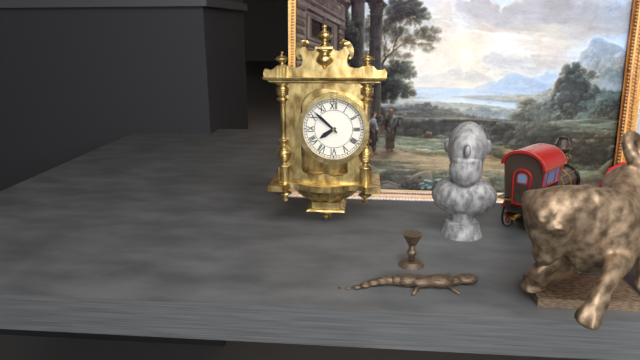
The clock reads **7:52**
